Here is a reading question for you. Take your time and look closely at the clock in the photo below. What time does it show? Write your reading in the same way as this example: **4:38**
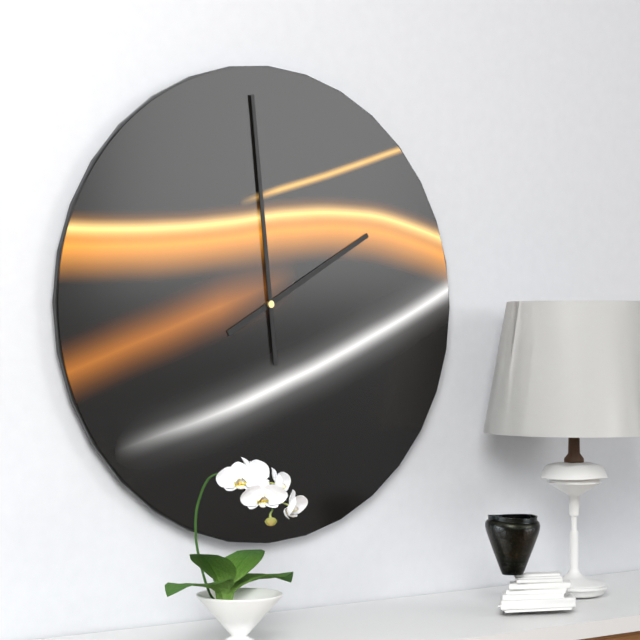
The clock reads **1:59**
